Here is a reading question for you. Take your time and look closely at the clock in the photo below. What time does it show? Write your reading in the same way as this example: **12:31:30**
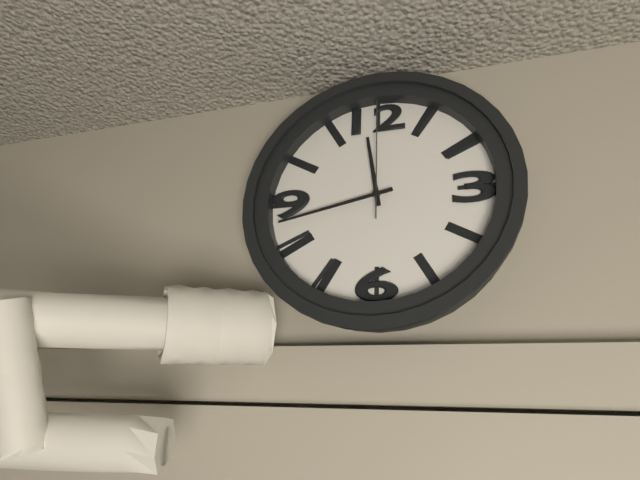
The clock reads **11:43:00**
